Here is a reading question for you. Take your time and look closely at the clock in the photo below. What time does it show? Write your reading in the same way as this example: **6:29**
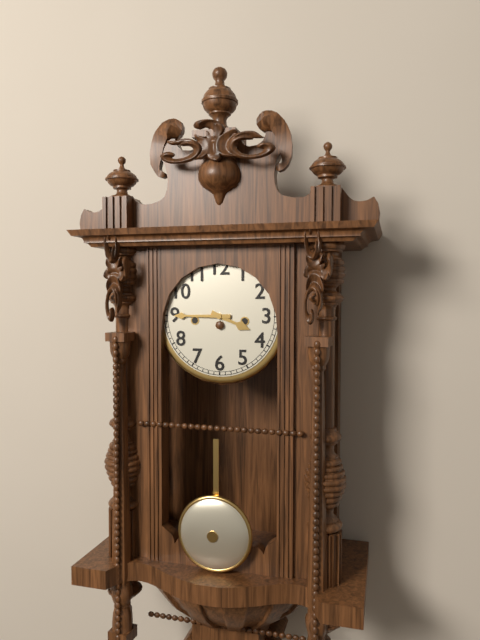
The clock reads **3:45**
